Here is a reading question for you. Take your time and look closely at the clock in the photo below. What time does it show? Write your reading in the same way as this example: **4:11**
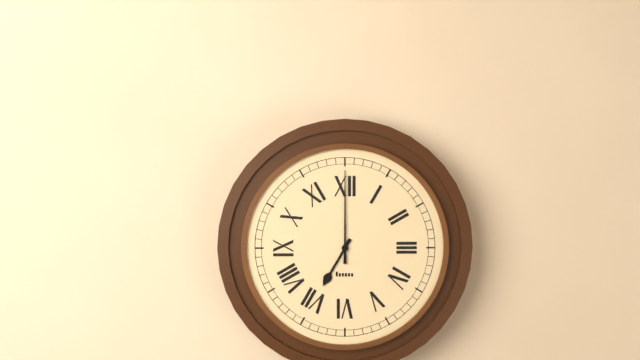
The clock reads **7:00**
